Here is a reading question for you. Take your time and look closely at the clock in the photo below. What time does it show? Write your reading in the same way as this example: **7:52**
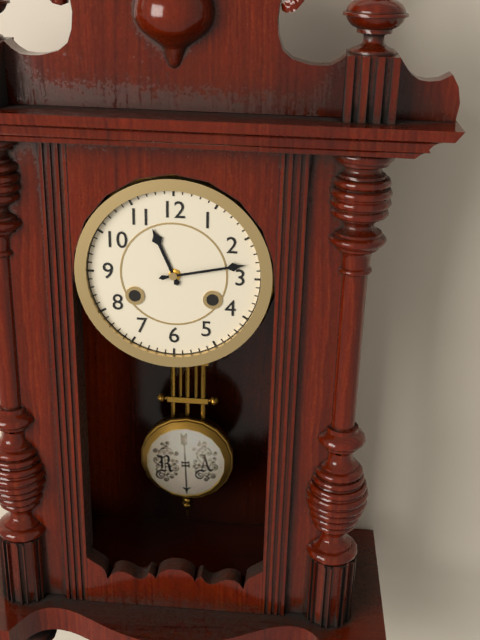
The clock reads **11:13**
